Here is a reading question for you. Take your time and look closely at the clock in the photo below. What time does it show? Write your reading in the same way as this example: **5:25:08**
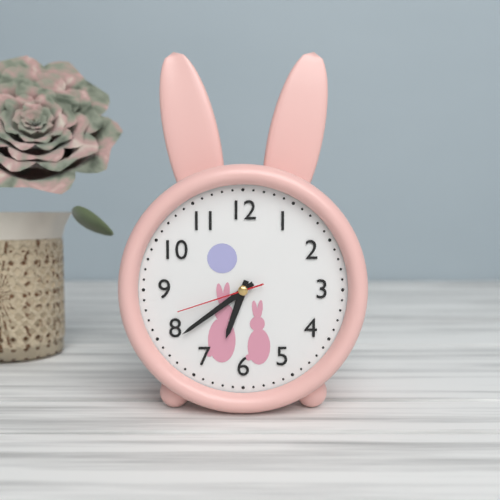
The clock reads **6:39:42**
